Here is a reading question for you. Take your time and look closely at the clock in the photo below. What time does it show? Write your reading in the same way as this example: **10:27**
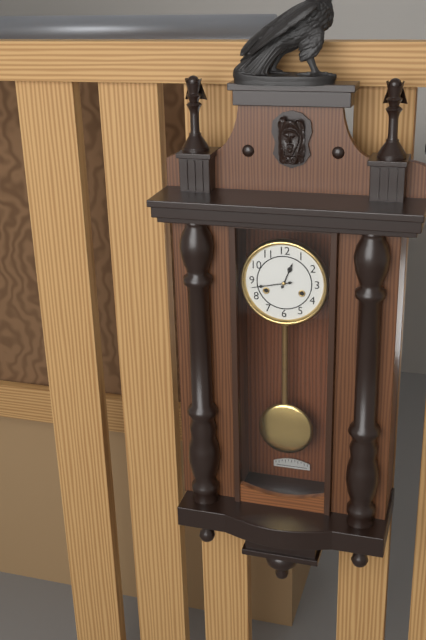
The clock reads **12:43**
